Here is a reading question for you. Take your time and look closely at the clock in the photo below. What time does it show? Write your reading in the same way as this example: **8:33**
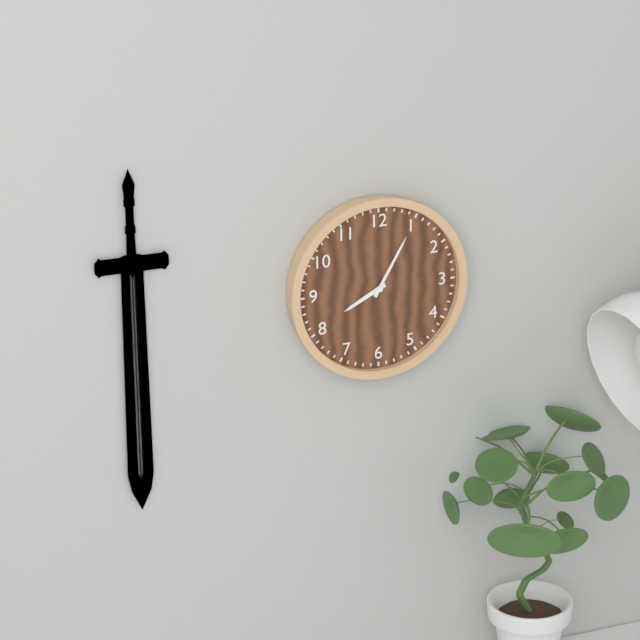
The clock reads **8:05**
